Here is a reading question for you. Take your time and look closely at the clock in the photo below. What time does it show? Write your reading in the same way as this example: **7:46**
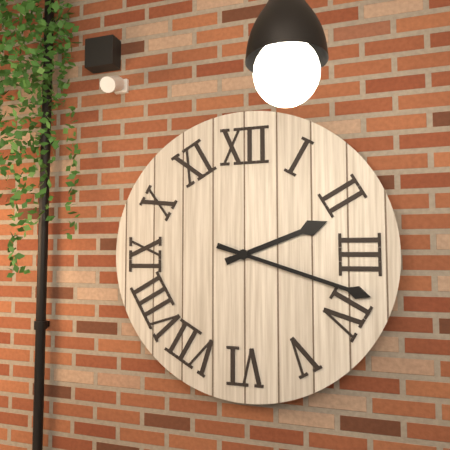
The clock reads **2:18**
